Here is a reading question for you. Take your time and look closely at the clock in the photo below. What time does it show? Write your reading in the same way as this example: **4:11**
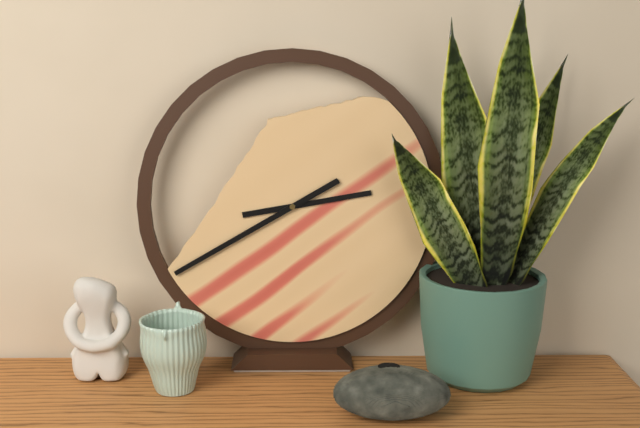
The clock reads **2:40**
